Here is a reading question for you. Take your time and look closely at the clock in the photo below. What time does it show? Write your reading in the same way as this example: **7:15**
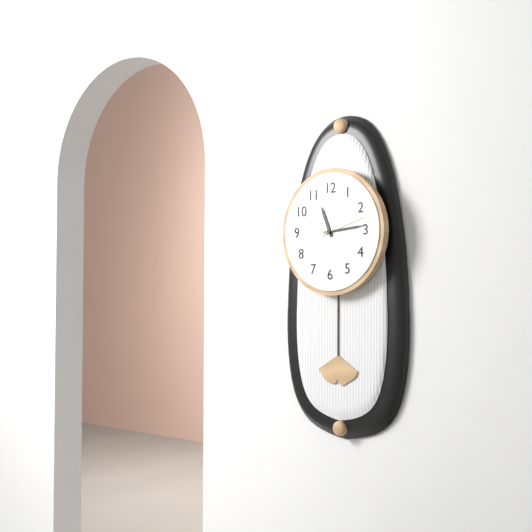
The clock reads **11:14**
